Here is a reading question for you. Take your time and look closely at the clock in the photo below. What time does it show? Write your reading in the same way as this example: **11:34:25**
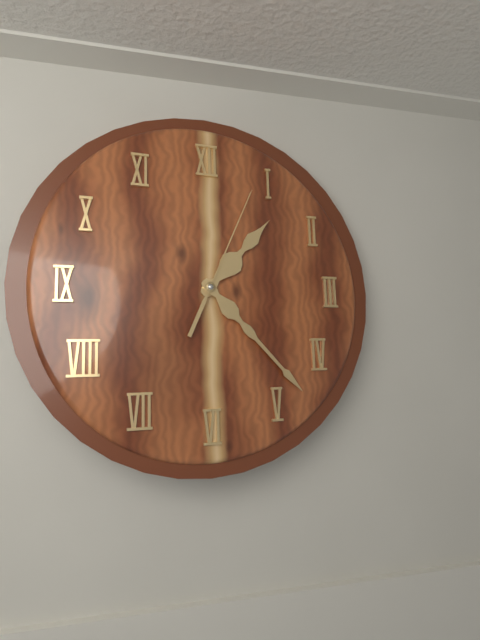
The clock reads **1:23:04**
